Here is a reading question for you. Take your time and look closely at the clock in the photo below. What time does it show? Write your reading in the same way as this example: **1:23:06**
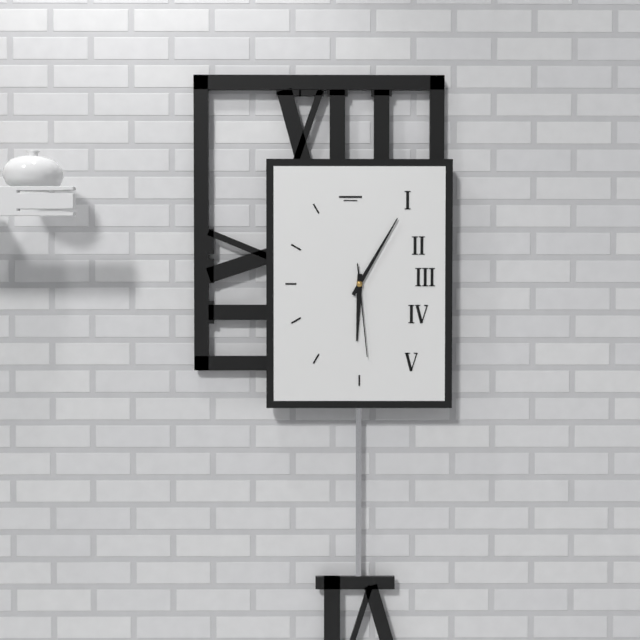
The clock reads **6:05:29**
